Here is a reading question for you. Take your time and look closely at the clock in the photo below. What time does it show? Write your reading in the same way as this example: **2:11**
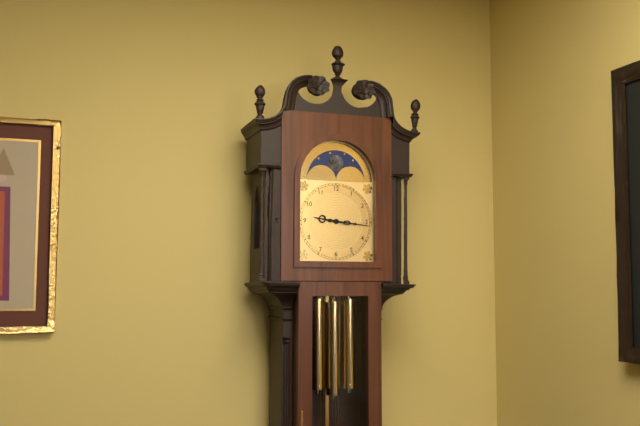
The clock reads **9:16**
